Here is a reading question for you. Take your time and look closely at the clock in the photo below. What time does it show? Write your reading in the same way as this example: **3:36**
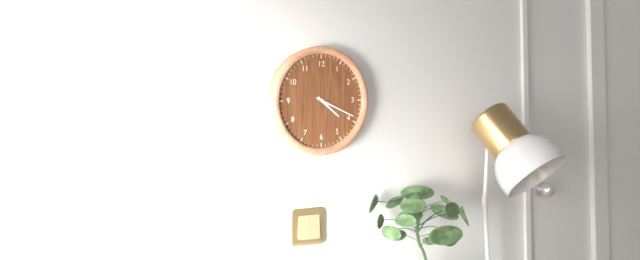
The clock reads **4:19**
